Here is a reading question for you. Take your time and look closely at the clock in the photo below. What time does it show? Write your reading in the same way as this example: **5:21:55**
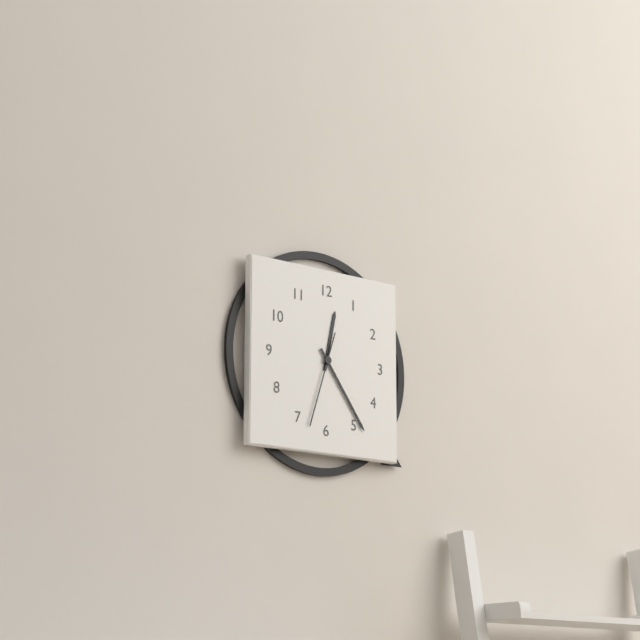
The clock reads **12:24:33**
